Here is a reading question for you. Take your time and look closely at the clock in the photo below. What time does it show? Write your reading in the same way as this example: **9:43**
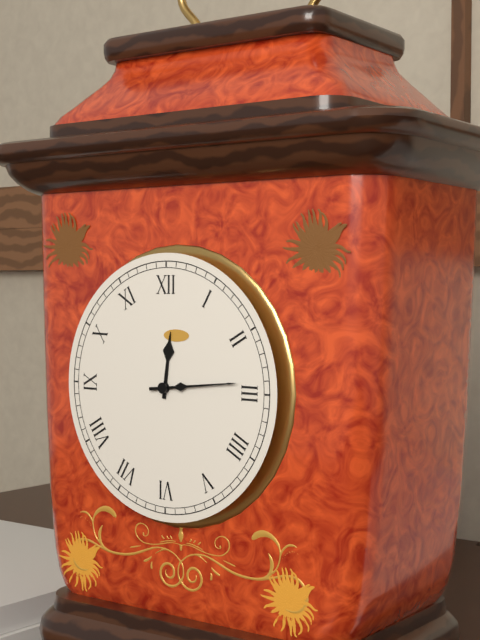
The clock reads **12:14**
